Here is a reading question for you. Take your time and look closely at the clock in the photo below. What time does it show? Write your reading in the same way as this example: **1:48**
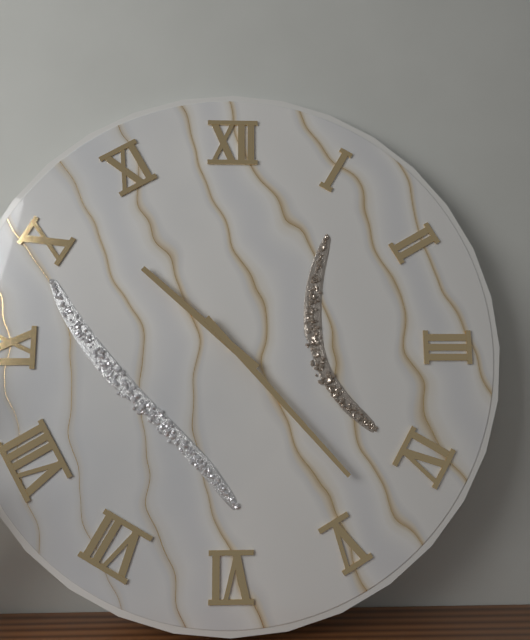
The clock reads **10:23**
